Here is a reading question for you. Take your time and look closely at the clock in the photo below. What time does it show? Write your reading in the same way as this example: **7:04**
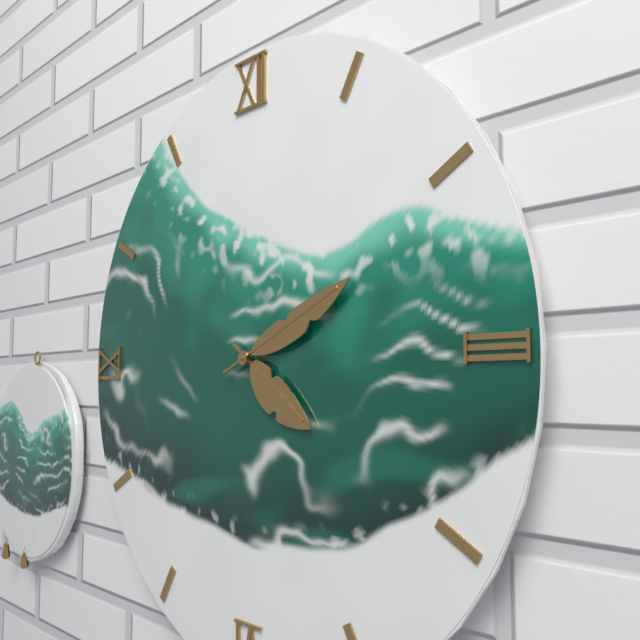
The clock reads **4:11**
